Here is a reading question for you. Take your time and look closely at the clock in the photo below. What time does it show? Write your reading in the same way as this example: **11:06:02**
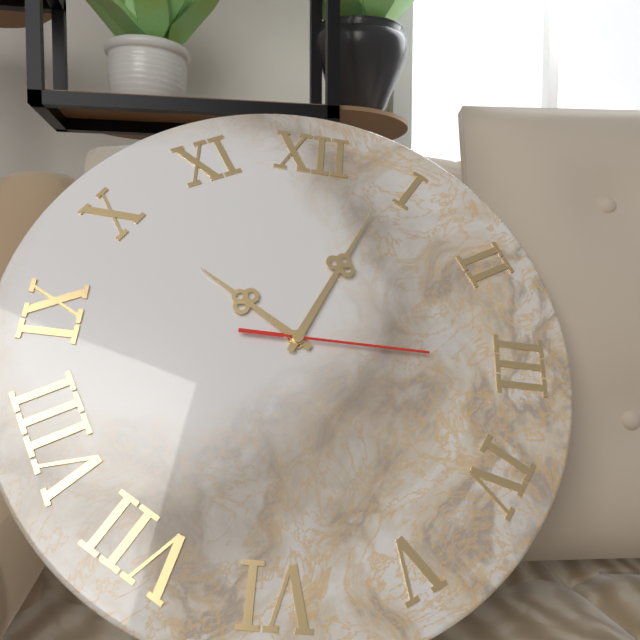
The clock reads **10:04:15**
